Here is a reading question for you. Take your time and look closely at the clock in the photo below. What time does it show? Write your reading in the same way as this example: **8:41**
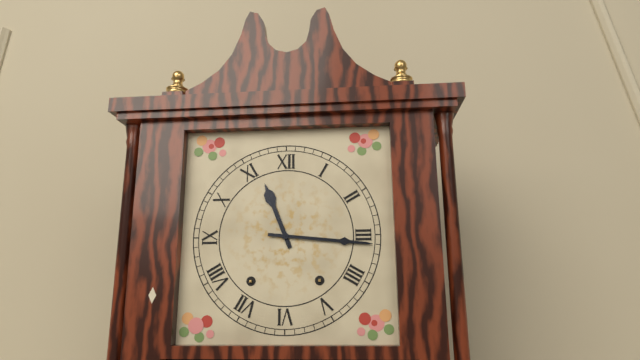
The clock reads **11:16**
